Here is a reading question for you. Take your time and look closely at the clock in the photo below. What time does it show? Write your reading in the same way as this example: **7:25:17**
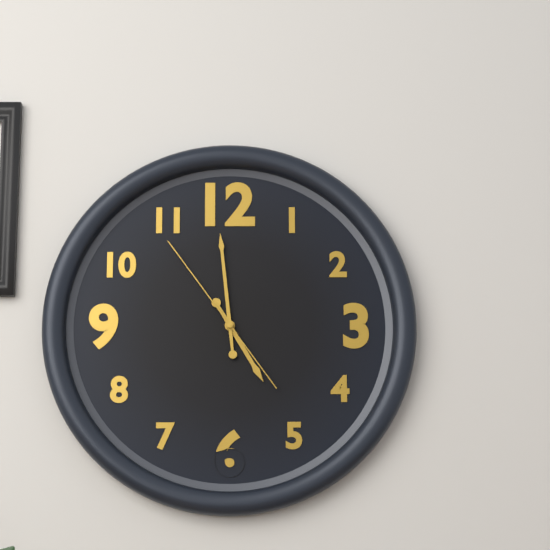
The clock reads **4:59:54**
